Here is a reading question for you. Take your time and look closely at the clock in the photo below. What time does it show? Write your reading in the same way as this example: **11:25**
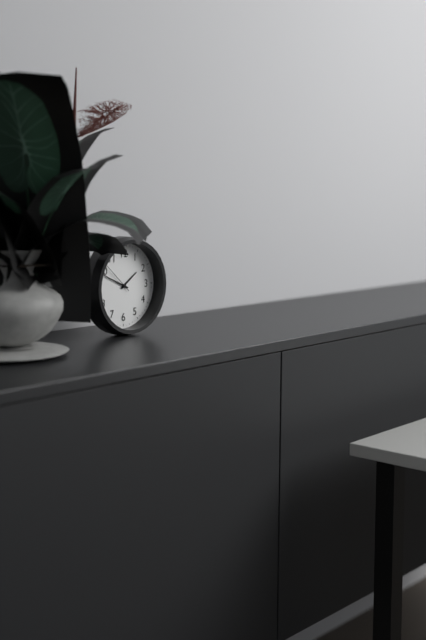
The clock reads **1:49**
